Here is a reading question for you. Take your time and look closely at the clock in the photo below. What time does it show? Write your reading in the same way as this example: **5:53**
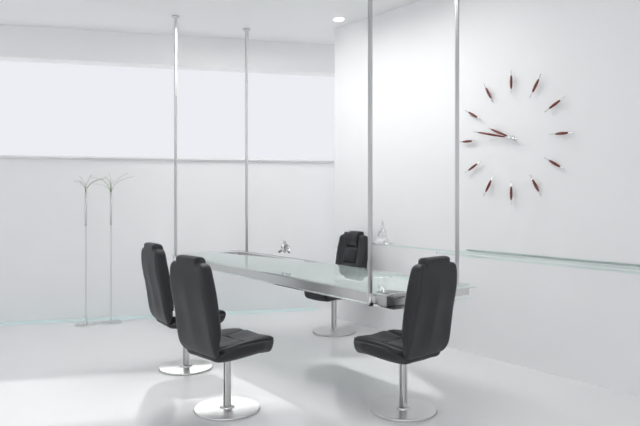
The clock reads **9:47**
